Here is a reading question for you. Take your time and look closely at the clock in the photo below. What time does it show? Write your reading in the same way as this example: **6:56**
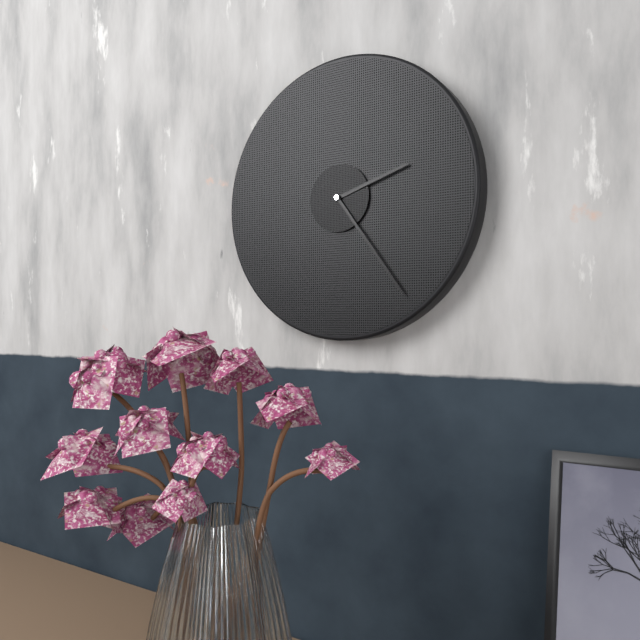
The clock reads **2:24**
